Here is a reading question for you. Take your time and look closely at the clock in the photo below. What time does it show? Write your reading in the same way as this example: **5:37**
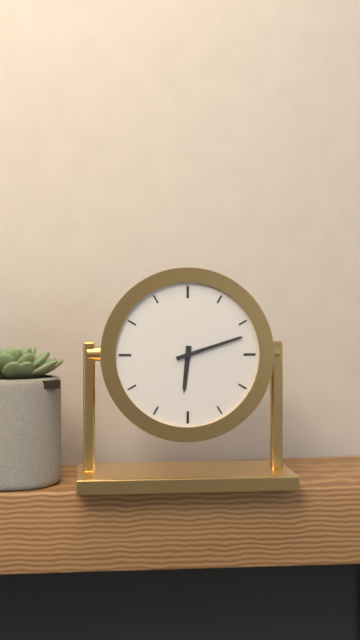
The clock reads **6:12**
